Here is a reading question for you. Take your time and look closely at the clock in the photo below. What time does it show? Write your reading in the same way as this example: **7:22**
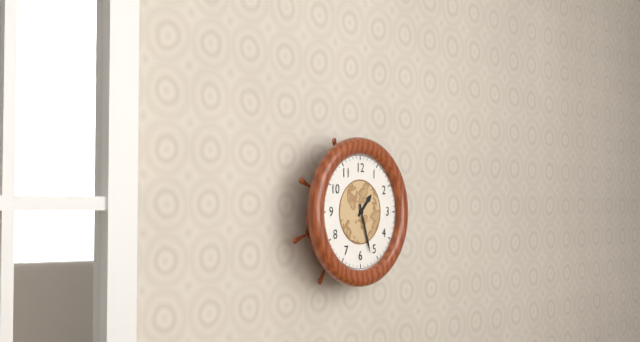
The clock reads **1:27**
